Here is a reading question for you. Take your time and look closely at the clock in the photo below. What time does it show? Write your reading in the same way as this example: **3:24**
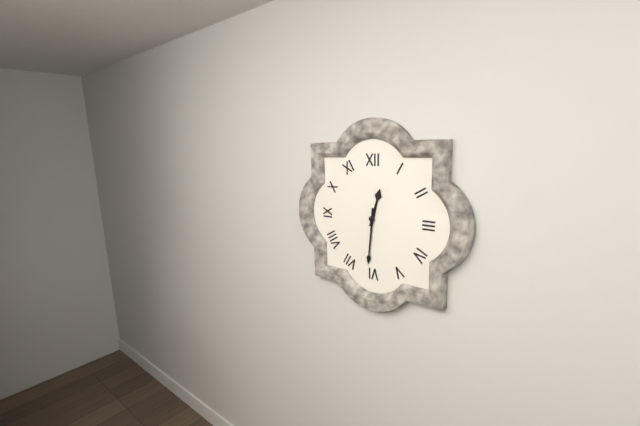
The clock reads **12:31**
